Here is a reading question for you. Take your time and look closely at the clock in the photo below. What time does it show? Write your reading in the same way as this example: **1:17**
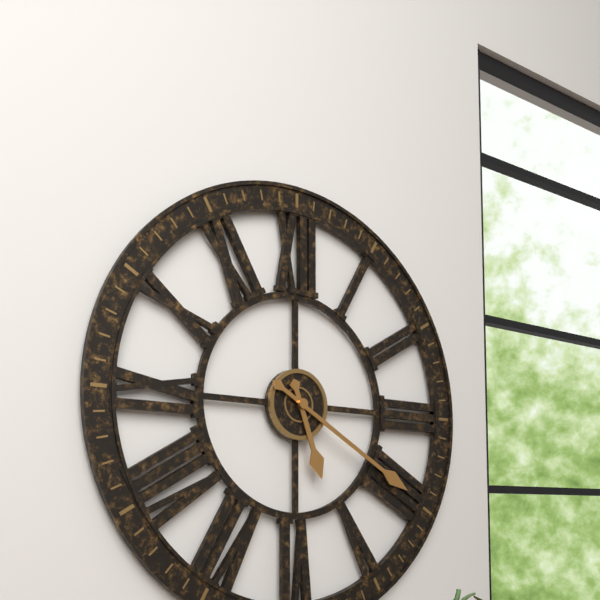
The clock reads **5:20**
